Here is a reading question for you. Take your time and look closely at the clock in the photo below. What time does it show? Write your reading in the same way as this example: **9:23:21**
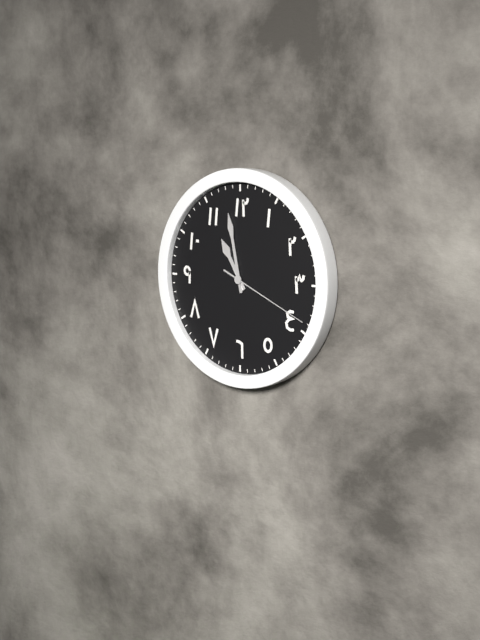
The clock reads **10:58:19**
